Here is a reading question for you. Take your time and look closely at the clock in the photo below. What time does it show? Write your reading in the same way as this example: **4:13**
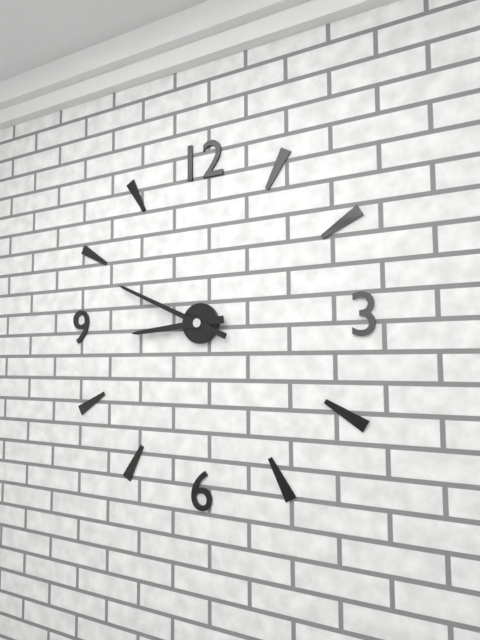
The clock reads **8:49**
